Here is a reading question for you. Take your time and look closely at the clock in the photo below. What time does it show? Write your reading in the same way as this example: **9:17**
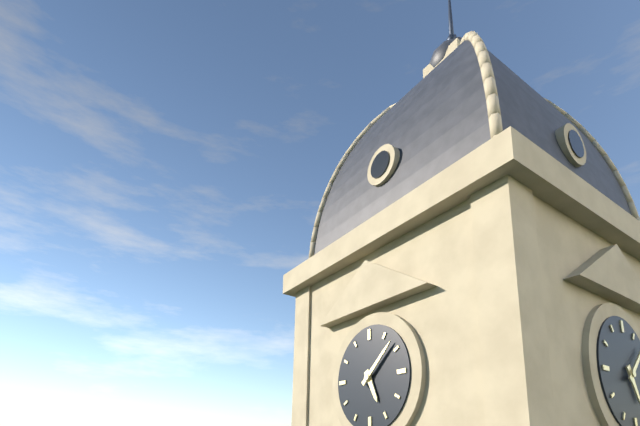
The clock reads **5:08**
